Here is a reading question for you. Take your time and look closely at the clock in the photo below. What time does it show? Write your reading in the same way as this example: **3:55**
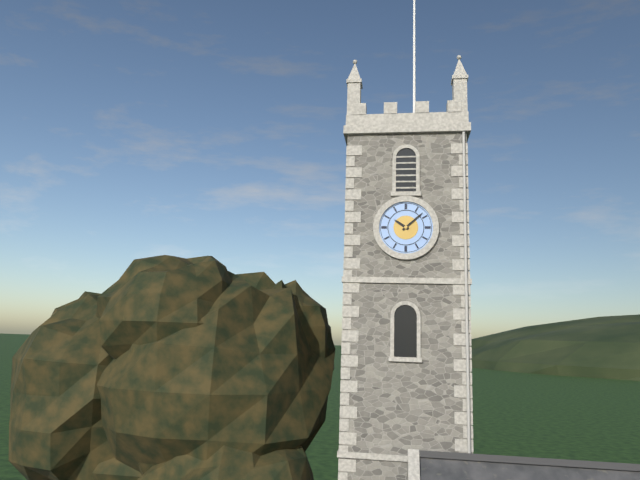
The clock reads **10:08**
